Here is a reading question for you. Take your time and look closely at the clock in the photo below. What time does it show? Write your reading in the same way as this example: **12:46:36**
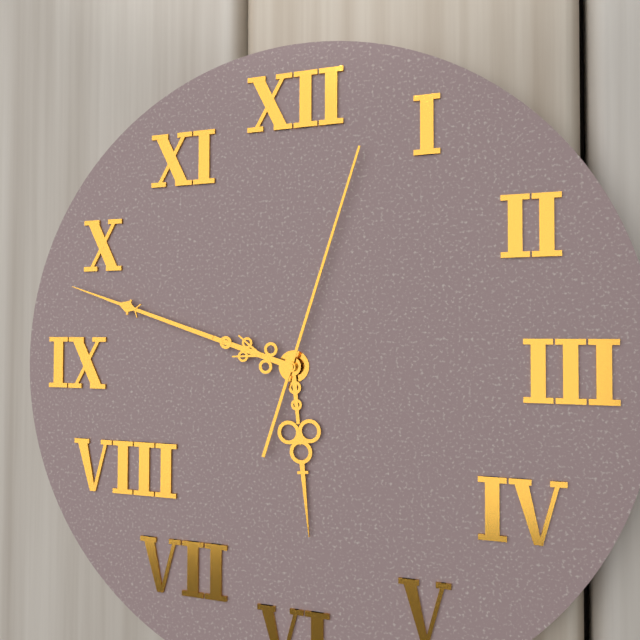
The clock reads **5:48:03**
